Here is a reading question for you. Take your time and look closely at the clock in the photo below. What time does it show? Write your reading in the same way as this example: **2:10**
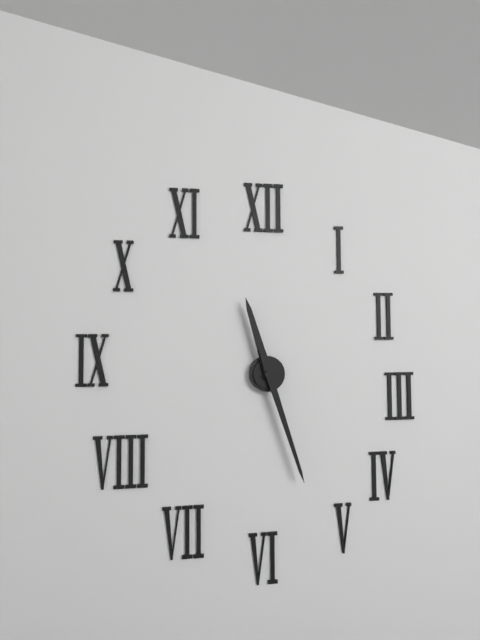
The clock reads **11:27**
